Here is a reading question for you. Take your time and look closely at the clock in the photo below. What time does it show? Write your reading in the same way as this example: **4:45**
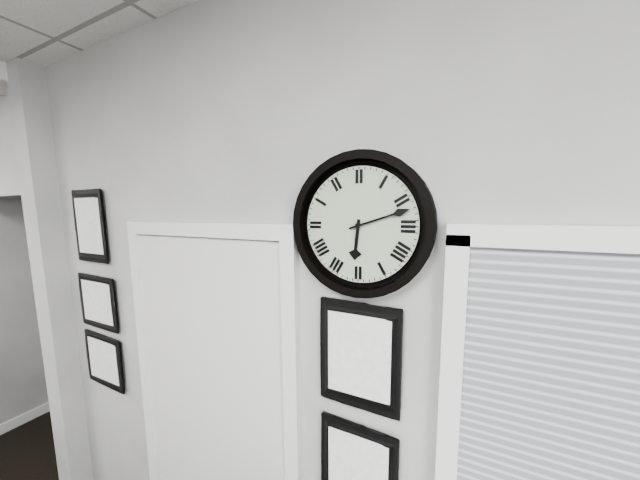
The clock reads **6:12**
